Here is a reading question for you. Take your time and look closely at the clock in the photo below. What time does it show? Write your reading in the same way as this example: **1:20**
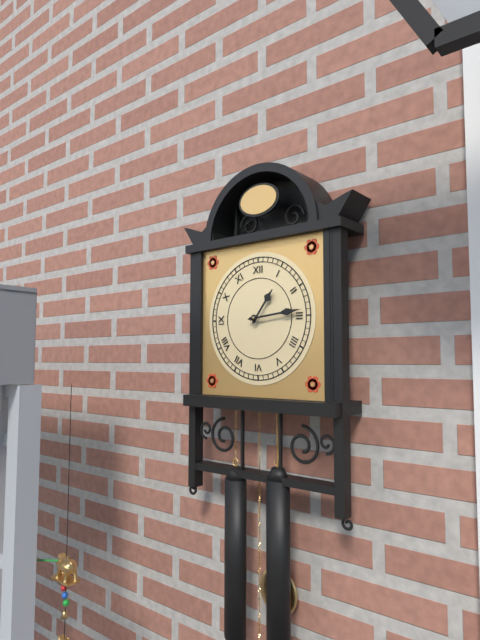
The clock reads **1:14**
